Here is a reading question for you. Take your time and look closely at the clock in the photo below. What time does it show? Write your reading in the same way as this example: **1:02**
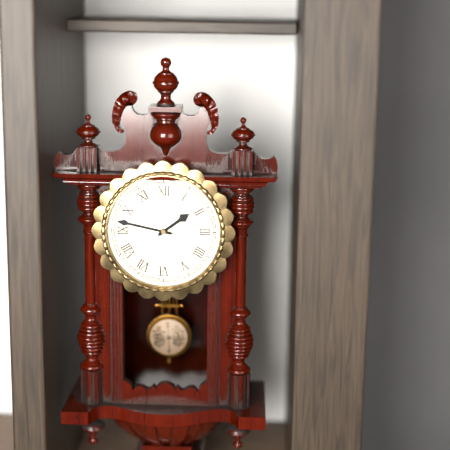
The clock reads **1:47**
